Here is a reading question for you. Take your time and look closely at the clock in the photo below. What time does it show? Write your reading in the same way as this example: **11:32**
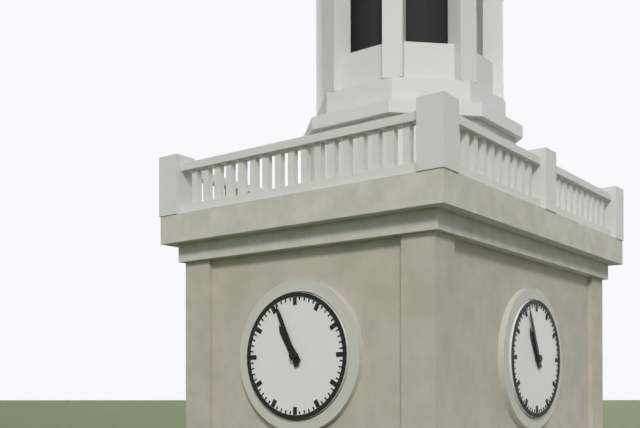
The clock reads **10:56**
